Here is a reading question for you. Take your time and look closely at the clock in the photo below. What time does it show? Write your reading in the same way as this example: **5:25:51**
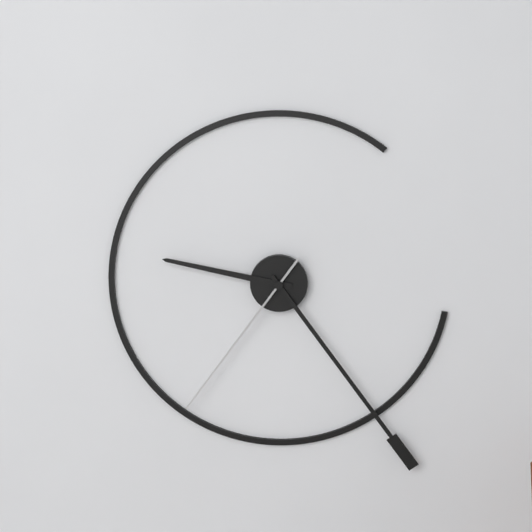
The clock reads **9:24:36**
